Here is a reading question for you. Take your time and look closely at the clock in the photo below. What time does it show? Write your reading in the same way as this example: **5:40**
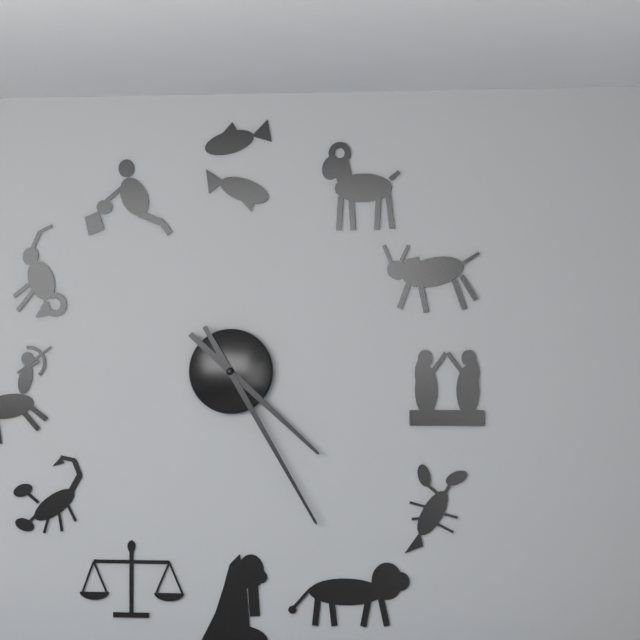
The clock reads **4:25**
